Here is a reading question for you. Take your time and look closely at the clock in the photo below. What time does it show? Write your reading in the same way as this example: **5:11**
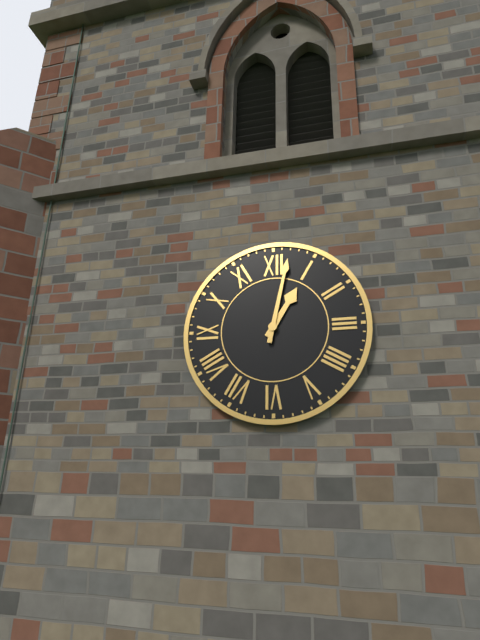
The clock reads **1:02**
